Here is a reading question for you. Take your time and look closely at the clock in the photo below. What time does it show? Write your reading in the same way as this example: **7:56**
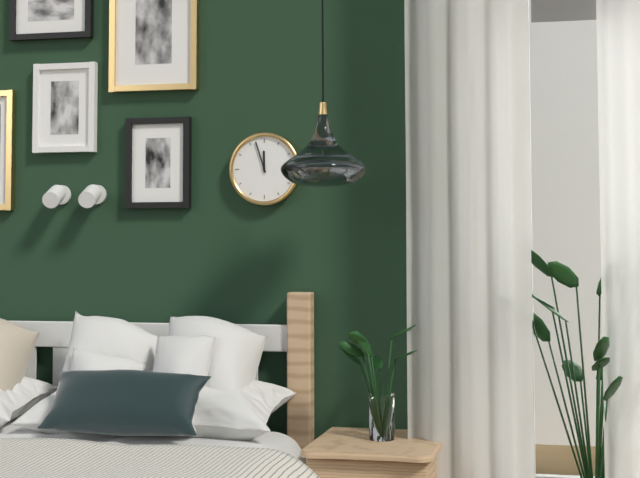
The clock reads **11:57**
